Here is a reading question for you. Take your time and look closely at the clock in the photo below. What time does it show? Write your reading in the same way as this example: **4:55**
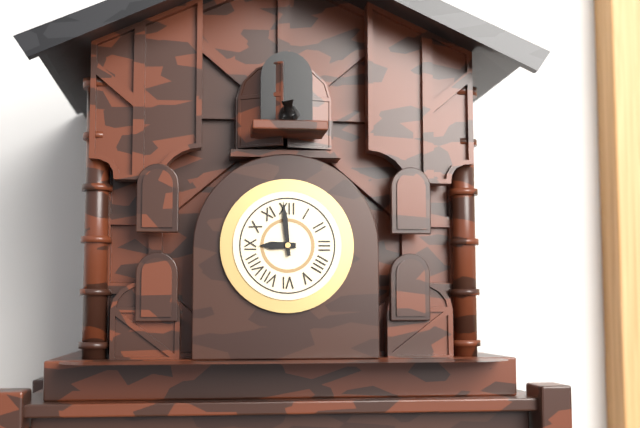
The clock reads **8:59**
